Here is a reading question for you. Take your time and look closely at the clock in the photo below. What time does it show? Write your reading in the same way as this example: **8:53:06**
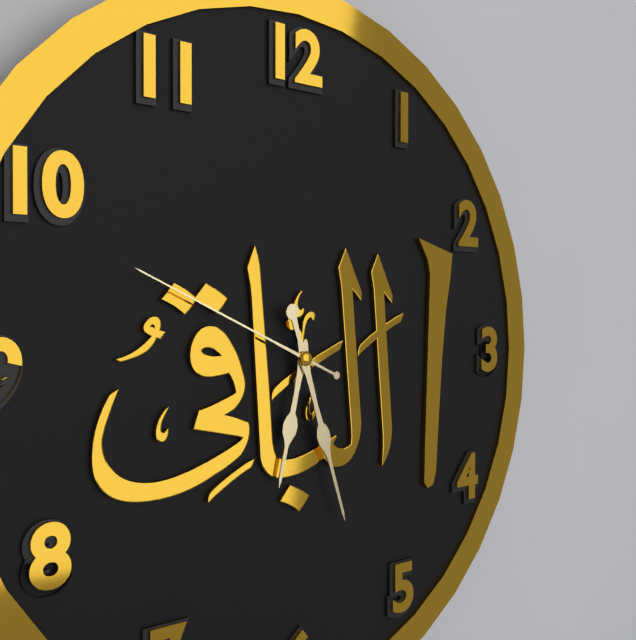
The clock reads **6:27:49**
